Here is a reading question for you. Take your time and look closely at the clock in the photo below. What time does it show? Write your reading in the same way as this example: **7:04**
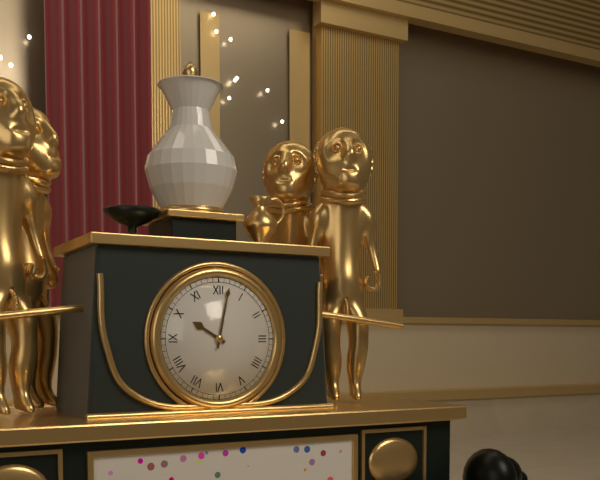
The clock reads **10:02**
